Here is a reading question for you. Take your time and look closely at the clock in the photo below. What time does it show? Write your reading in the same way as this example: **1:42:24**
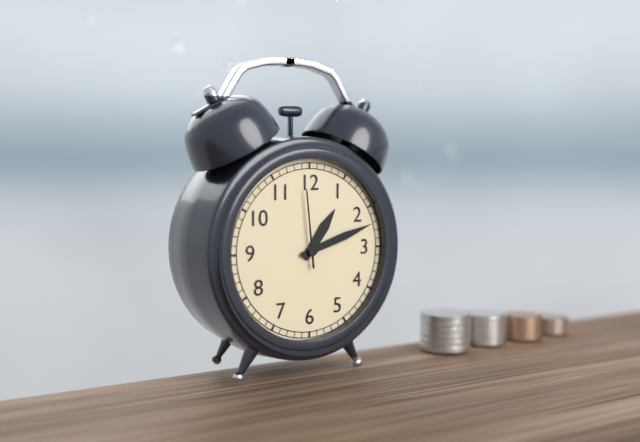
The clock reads **1:12:59**
